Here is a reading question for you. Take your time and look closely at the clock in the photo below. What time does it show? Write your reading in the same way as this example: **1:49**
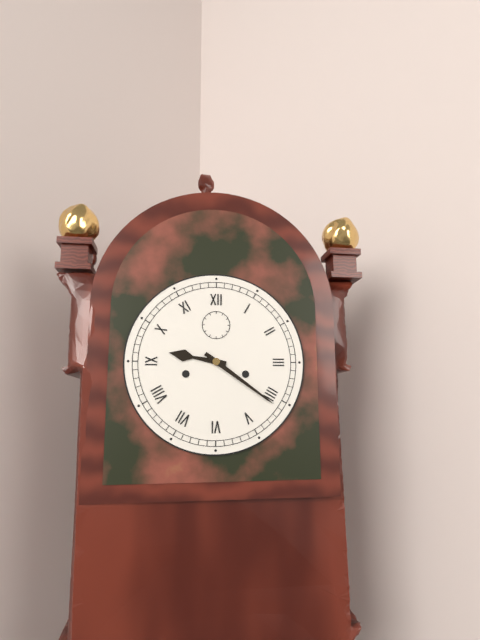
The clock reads **9:21**
